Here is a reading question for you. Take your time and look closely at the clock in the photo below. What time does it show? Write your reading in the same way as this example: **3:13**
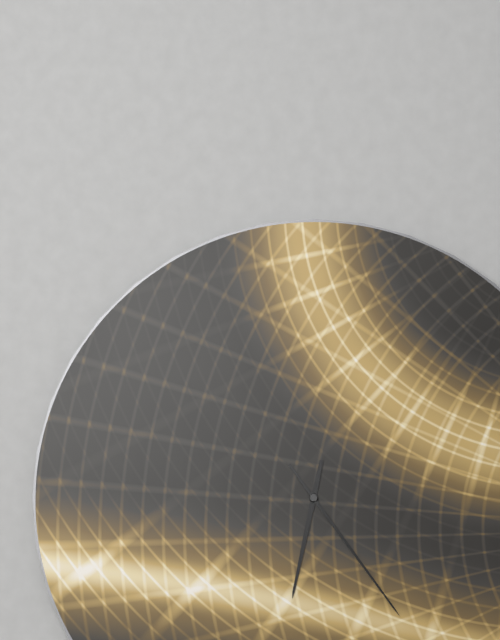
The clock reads **6:24**
